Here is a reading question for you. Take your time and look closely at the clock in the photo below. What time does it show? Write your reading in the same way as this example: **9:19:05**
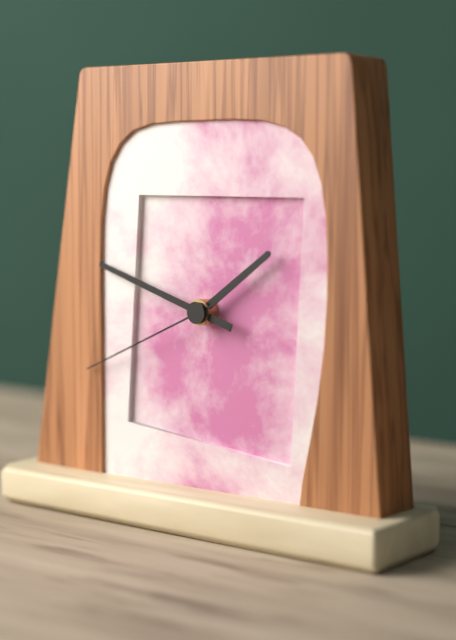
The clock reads **1:48:41**
